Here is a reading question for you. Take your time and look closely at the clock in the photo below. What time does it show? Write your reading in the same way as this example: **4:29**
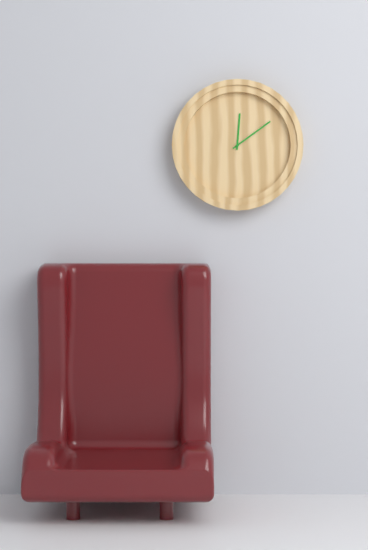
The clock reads **12:09**
